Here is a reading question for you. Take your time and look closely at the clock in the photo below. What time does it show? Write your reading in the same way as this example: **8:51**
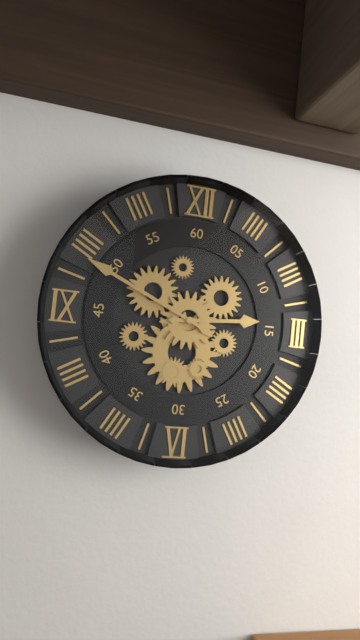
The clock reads **2:49**
